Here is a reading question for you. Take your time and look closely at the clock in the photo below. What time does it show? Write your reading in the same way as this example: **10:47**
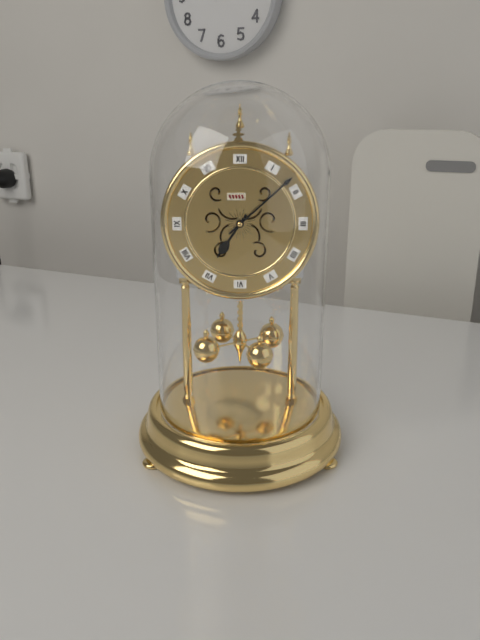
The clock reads **7:08**
